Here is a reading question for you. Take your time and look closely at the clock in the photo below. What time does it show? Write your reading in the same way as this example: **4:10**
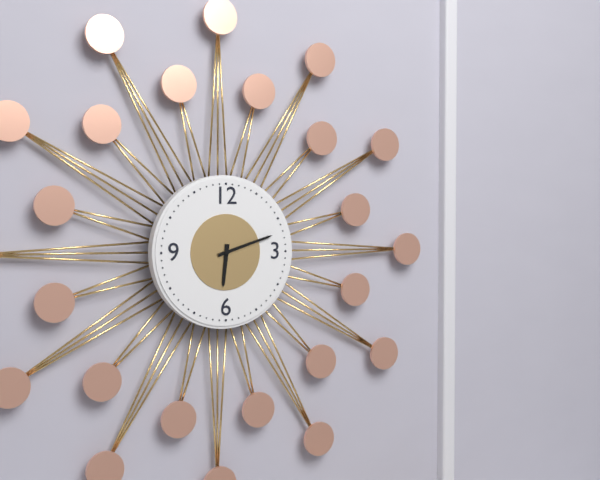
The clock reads **6:12**
